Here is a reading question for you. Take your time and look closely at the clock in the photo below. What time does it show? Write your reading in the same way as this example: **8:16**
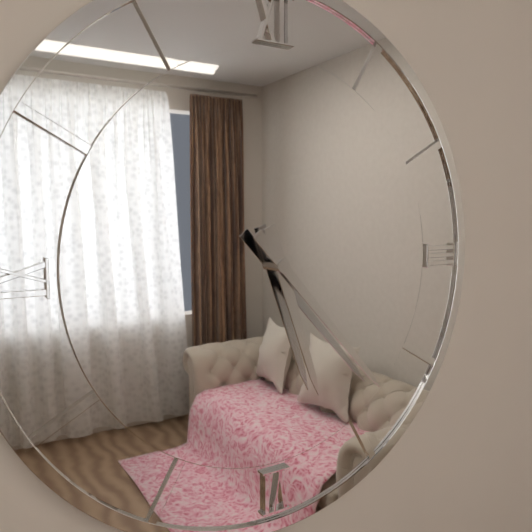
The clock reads **5:23**
